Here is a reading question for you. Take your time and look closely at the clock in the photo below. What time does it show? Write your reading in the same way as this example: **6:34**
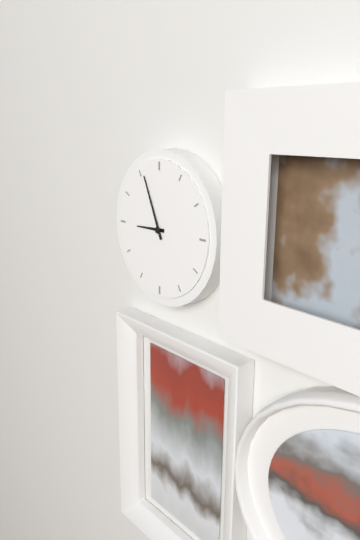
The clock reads **8:56**
